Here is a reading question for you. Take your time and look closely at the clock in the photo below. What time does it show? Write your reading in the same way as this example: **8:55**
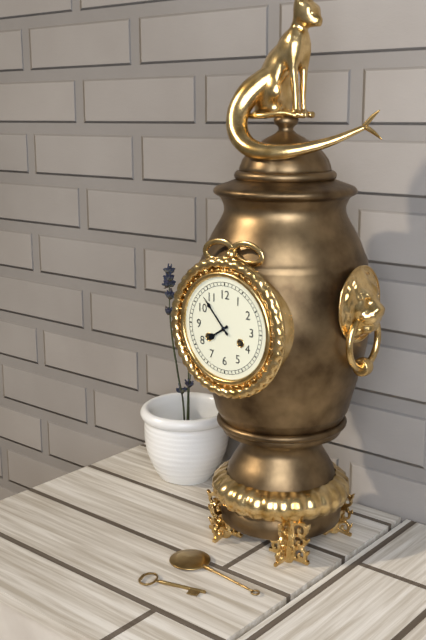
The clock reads **7:53**
